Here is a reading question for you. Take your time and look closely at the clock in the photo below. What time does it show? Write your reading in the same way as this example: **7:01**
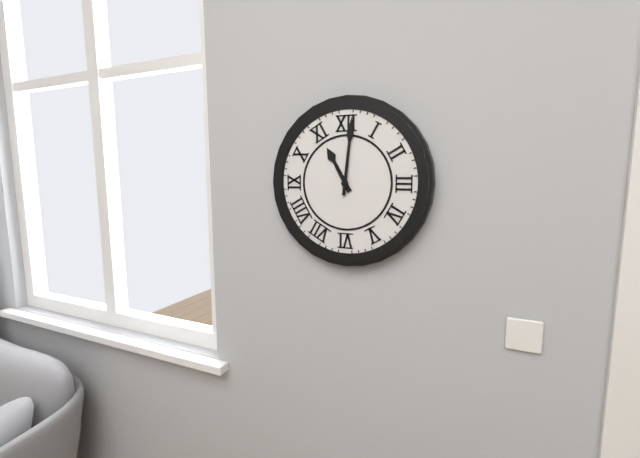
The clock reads **11:01**
